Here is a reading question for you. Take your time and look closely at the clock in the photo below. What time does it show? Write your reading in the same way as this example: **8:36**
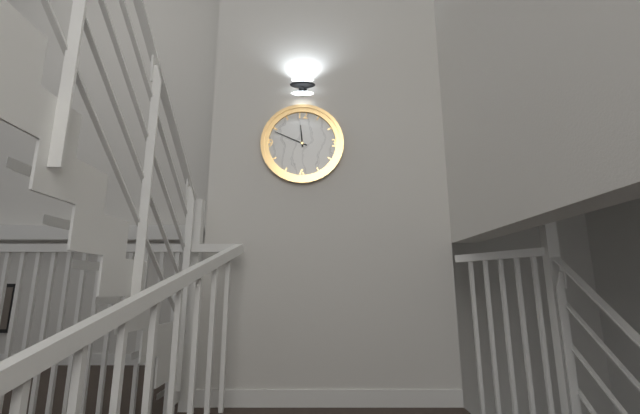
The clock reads **11:49**
